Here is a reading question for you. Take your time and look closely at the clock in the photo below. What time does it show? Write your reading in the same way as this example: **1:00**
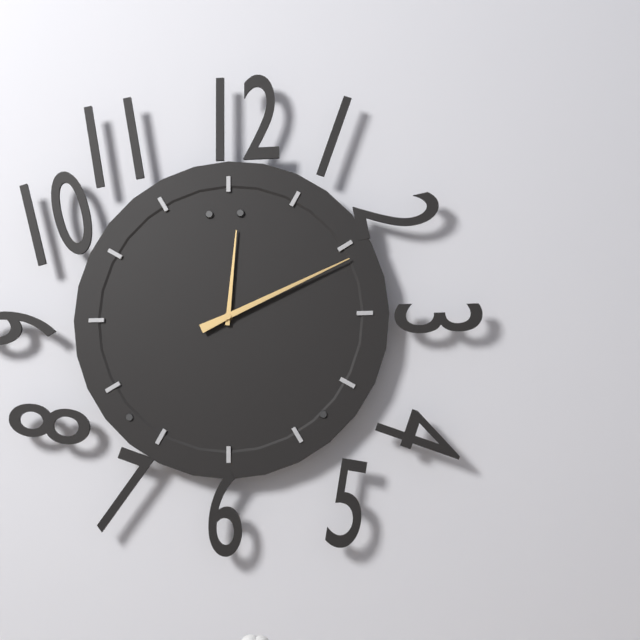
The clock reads **12:11**
